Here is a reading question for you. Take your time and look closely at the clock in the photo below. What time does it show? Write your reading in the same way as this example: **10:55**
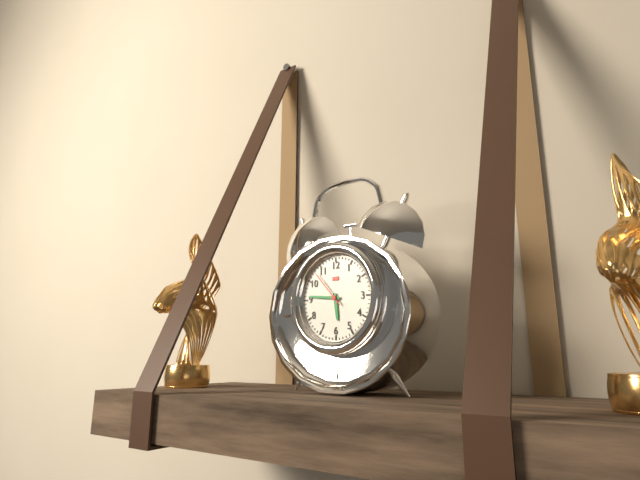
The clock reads **5:46**
